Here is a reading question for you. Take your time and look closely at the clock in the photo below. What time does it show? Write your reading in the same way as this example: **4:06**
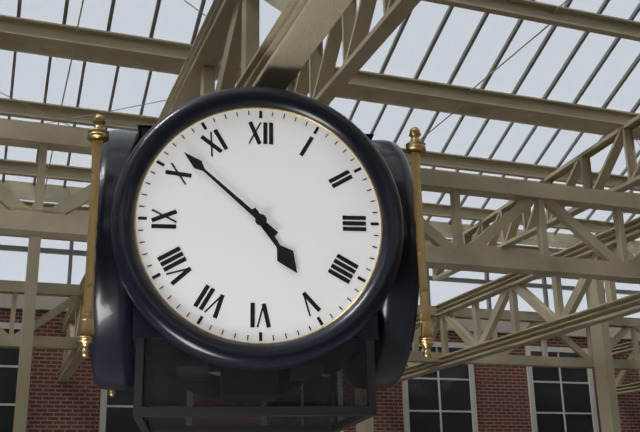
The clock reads **4:52**
